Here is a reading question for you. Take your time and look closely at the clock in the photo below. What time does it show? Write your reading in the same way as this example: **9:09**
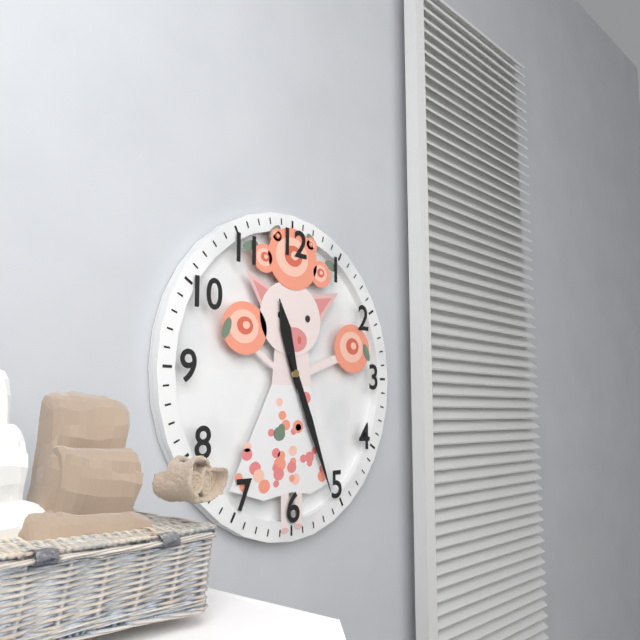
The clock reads **11:26**
